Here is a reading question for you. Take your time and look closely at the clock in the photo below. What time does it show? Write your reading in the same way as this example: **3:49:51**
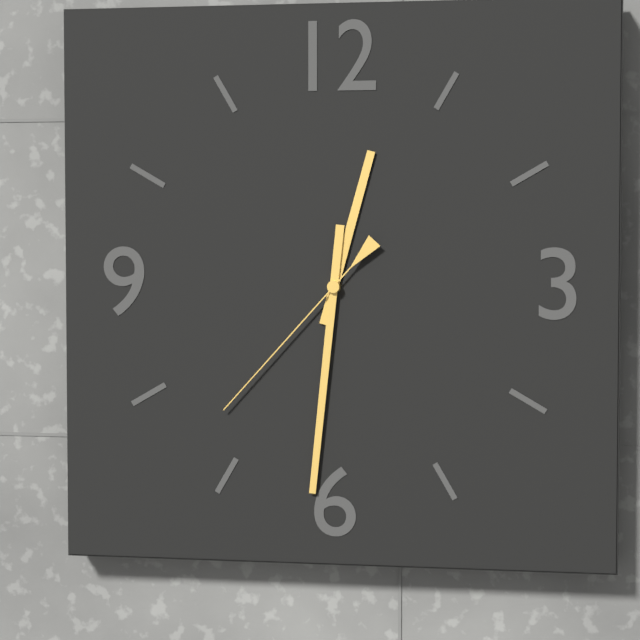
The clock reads **12:31:37**
